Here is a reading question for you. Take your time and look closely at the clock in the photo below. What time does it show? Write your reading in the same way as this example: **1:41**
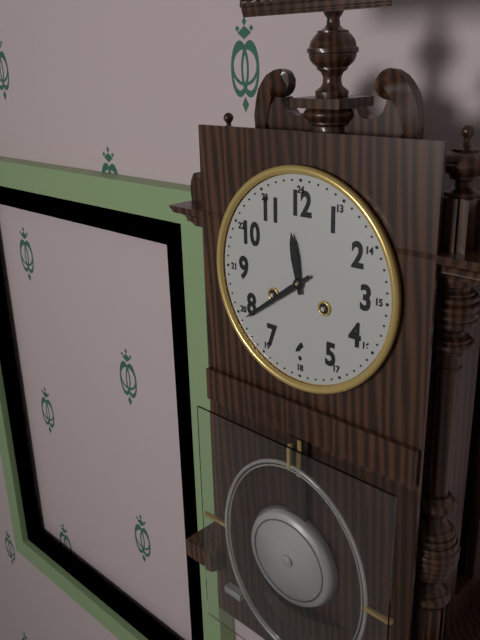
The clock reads **11:39**
